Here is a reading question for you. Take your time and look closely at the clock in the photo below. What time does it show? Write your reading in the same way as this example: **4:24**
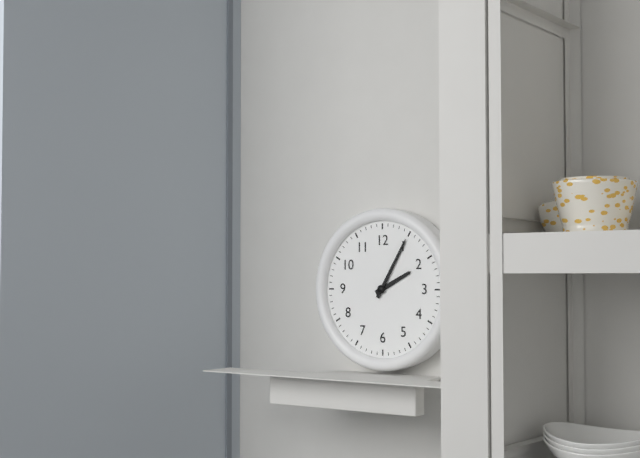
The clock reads **2:05**
